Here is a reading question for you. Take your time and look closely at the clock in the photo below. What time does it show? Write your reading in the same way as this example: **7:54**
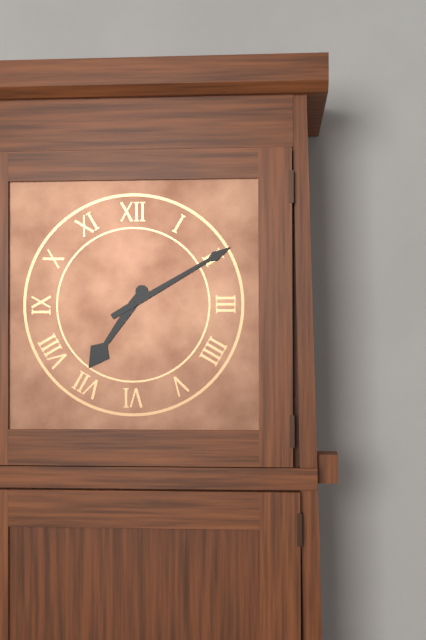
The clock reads **7:10**
